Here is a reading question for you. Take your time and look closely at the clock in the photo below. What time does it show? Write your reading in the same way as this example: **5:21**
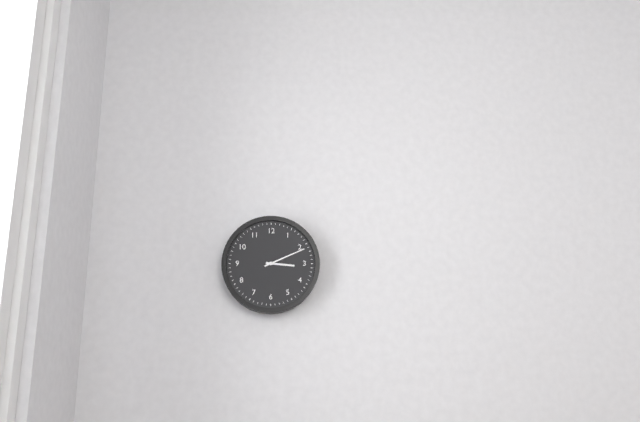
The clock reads **3:11**
